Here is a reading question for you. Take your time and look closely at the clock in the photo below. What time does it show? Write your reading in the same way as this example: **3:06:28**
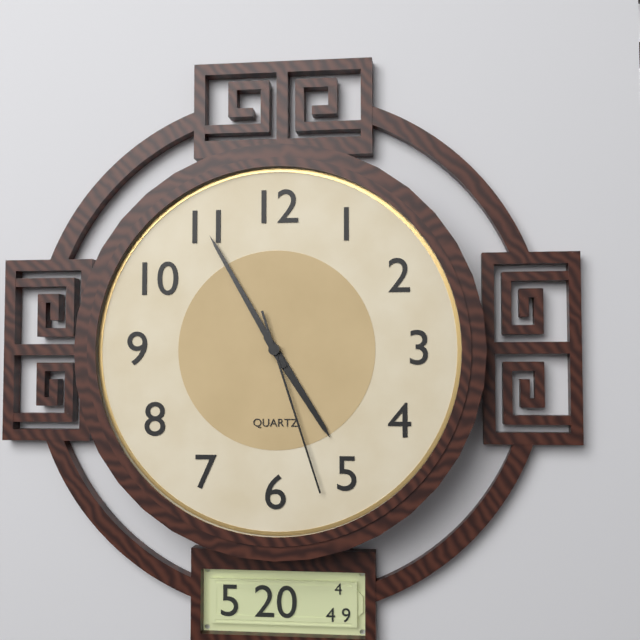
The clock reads **4:55:27**
